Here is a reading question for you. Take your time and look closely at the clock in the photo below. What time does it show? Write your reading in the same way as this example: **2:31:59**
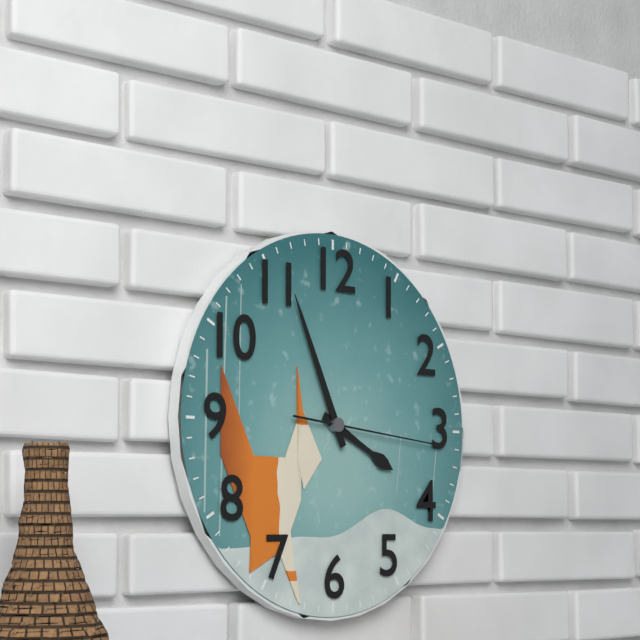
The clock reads **3:56:16**
